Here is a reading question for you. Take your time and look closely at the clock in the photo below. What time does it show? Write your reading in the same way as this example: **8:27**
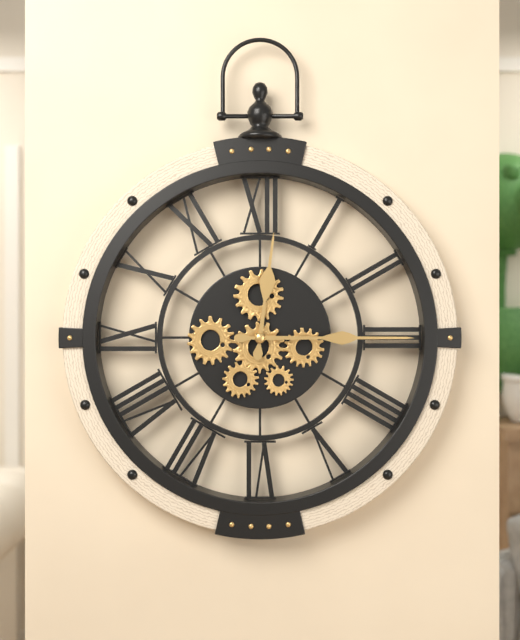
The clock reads **12:15**
